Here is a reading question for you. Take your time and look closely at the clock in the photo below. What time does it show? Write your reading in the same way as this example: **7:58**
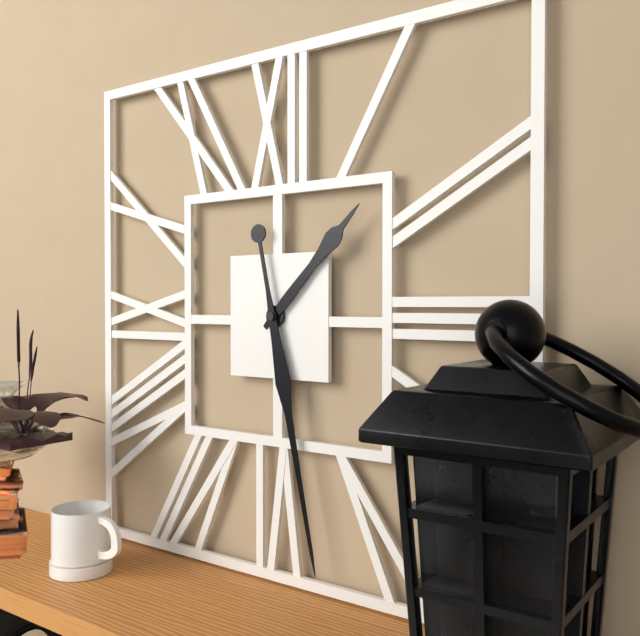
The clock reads **1:28**
